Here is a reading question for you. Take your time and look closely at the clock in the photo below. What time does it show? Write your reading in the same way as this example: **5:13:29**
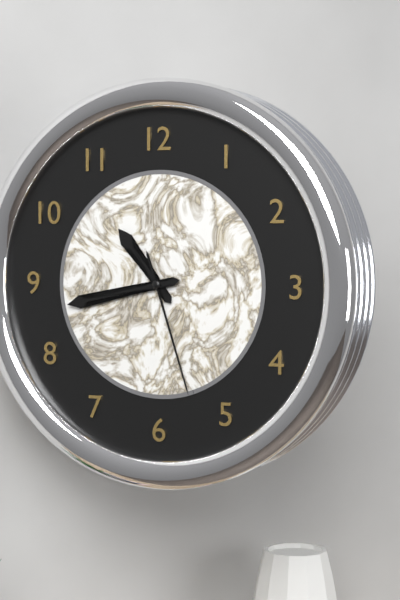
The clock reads **10:43:27**
